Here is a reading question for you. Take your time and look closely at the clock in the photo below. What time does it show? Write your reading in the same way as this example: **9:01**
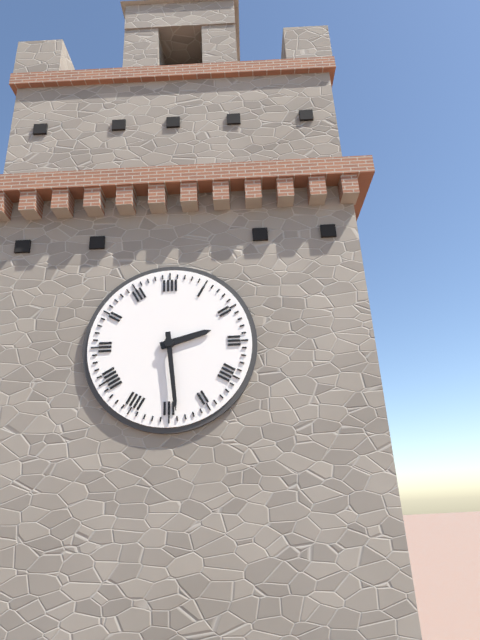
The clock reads **2:29**
